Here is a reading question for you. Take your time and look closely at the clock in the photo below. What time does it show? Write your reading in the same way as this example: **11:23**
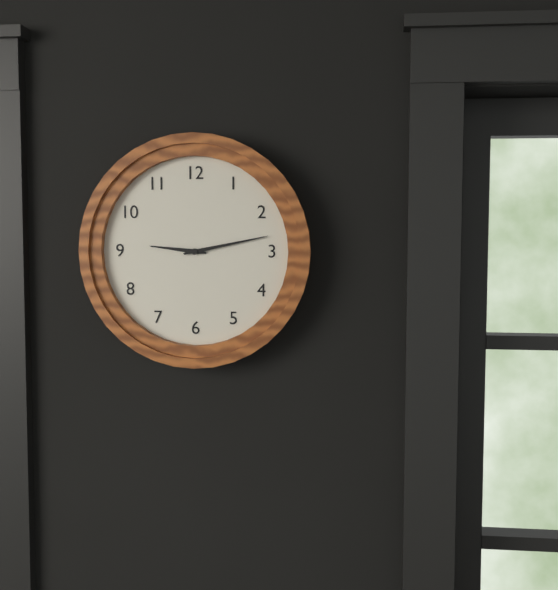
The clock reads **9:13**
